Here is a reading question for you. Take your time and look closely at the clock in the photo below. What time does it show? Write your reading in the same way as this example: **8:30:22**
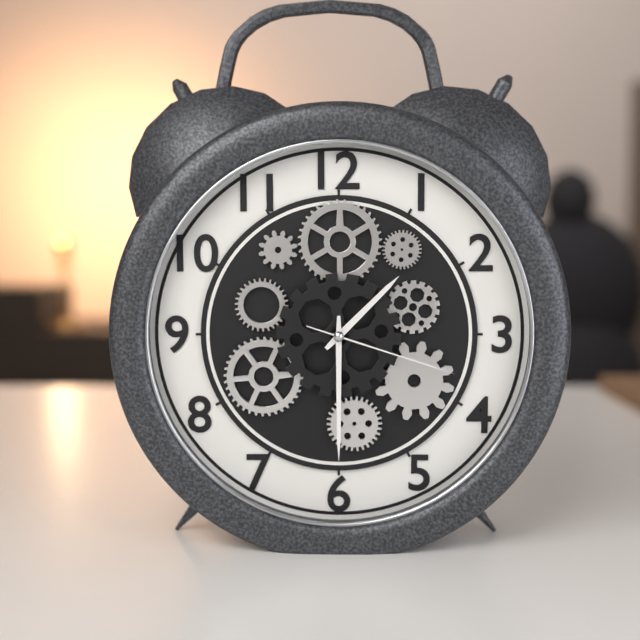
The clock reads **1:30:18**
